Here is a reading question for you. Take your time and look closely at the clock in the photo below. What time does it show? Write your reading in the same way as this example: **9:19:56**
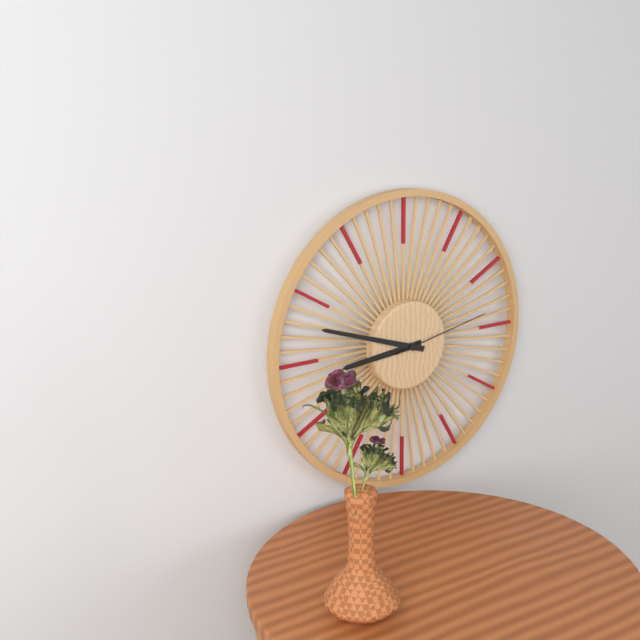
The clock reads **8:48:13**
